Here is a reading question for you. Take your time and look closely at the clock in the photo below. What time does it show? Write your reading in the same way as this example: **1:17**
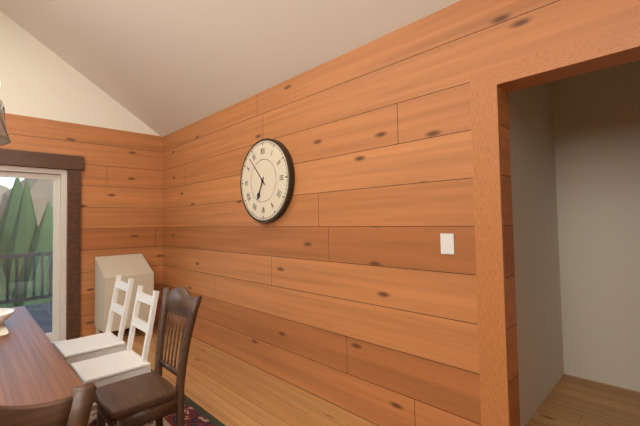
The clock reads **6:53**
